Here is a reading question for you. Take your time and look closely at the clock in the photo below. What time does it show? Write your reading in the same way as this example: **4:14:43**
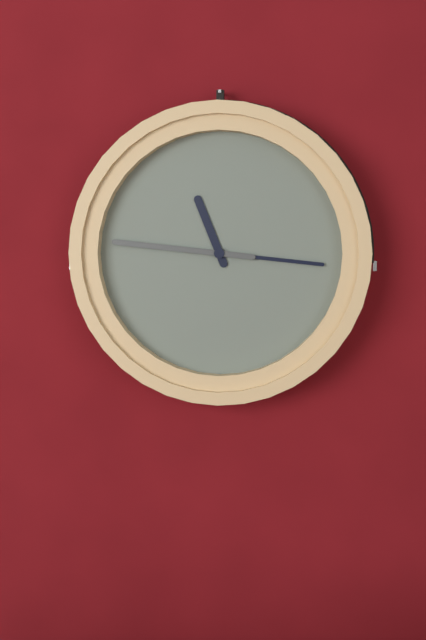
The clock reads **11:16:46**
